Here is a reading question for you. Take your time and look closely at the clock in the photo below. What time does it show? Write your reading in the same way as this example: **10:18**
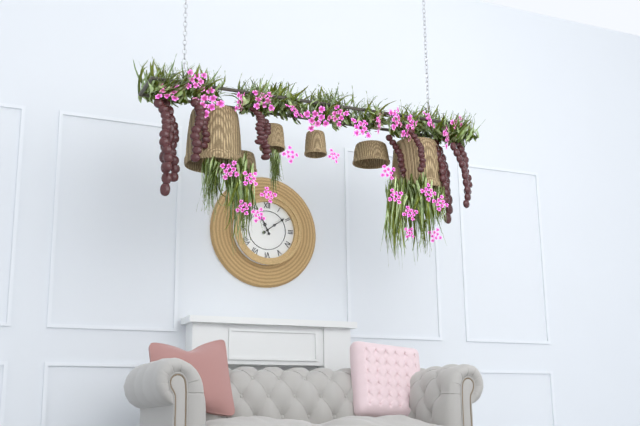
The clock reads **11:09**
